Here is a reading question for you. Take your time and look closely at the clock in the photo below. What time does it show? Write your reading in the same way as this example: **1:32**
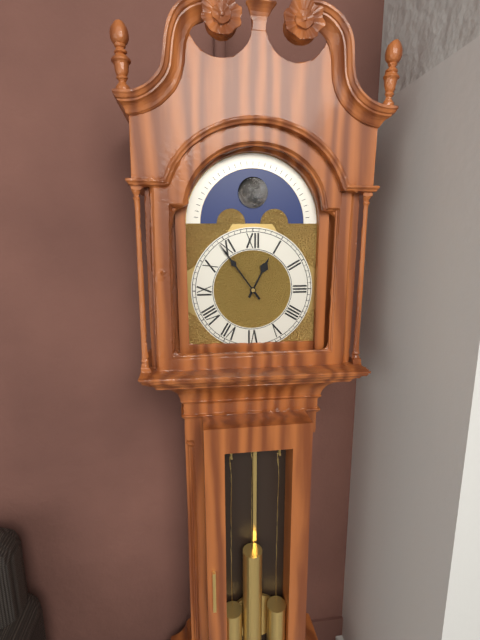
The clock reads **12:54**
